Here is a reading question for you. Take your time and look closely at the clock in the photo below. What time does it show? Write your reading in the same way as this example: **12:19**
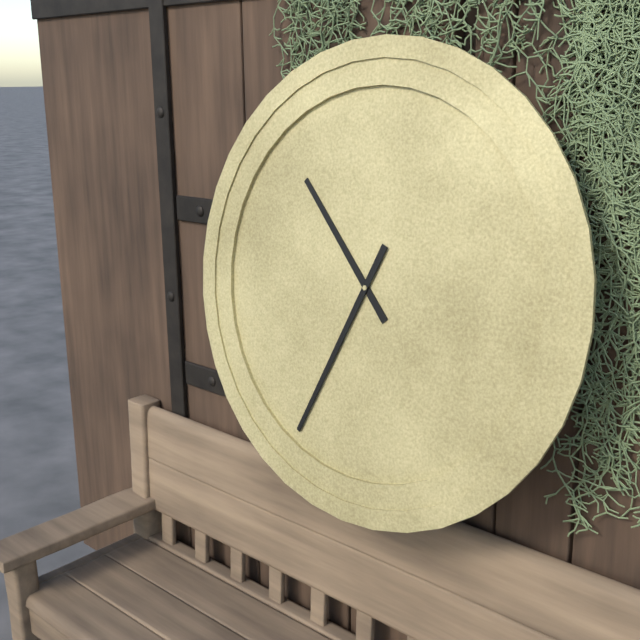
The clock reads **10:34**
